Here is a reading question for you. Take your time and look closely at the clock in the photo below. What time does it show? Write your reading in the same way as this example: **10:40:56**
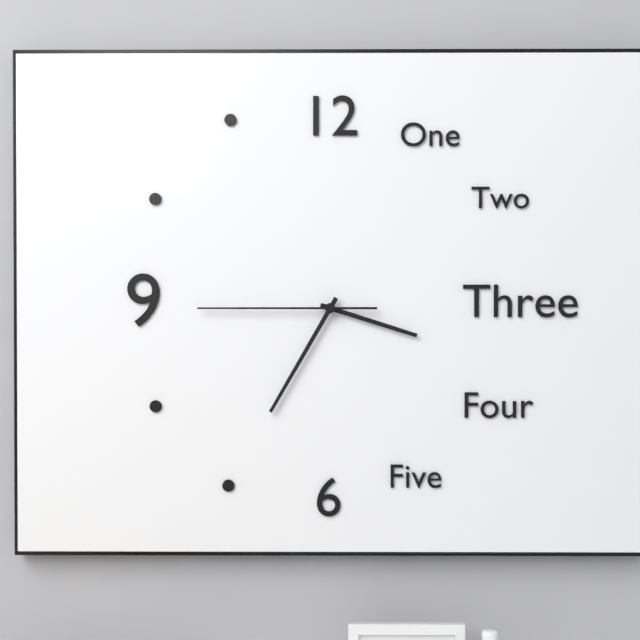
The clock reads **3:35:45**
